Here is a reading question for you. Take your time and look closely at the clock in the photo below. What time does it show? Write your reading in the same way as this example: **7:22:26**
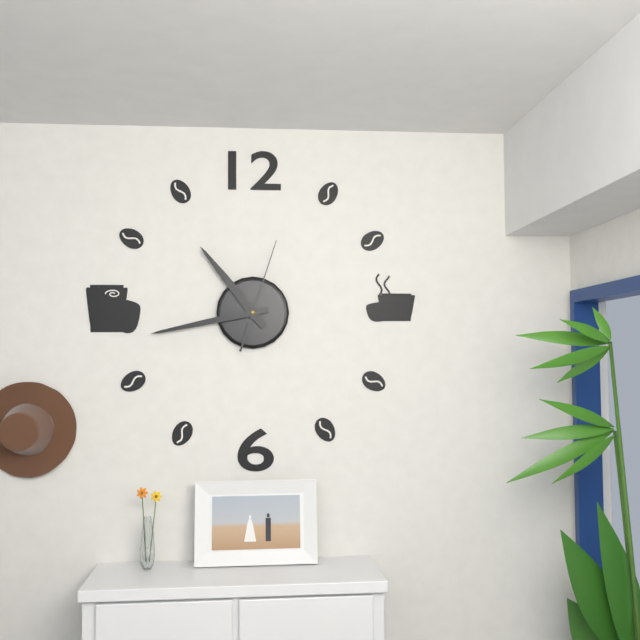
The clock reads **10:43:03**
